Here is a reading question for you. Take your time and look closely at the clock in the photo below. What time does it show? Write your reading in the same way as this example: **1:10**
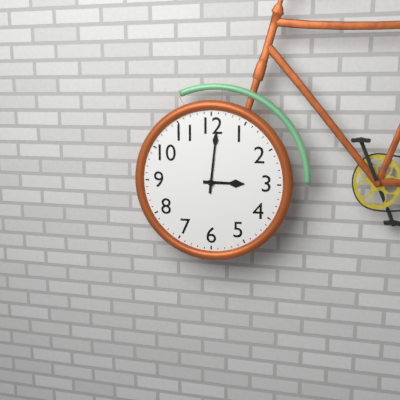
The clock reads **3:01**
